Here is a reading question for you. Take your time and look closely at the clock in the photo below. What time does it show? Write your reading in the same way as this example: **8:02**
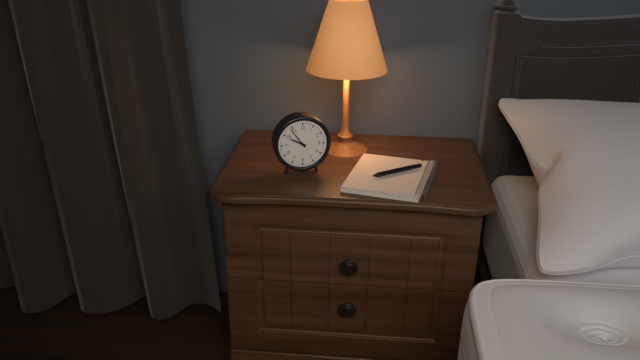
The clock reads **9:54**
